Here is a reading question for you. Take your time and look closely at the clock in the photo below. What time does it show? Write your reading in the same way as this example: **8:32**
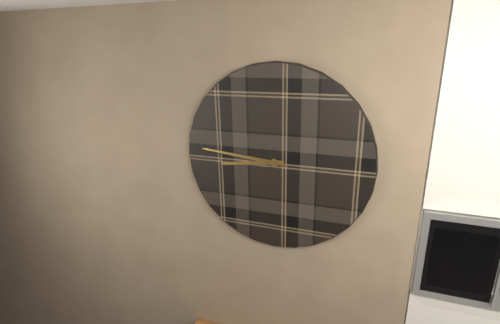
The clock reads **8:46**
